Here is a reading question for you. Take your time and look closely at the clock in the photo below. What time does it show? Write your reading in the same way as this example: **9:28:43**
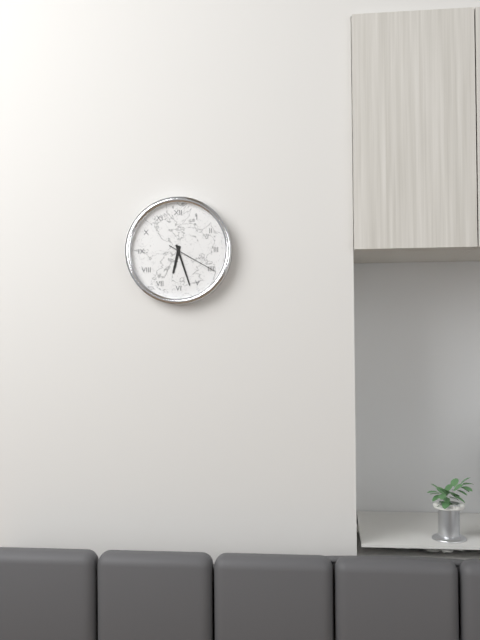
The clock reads **6:27:20**
